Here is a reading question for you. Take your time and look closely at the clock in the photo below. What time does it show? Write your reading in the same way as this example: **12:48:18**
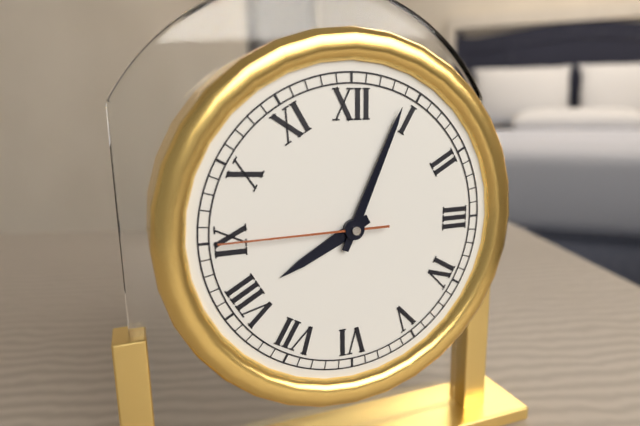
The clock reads **8:04:45**
